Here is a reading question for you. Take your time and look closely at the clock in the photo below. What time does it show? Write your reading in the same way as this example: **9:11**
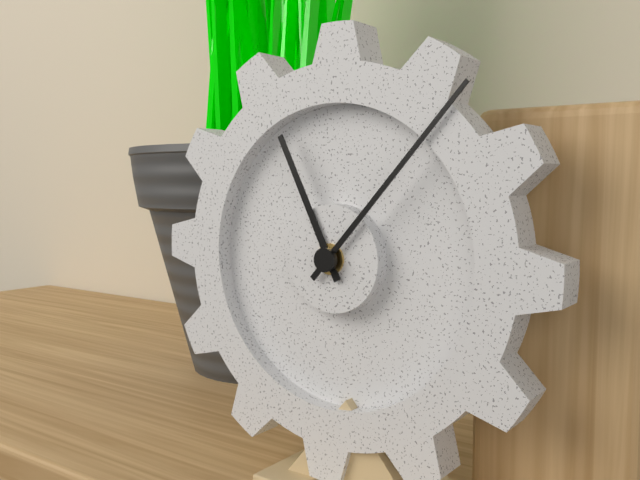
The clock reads **11:07**
